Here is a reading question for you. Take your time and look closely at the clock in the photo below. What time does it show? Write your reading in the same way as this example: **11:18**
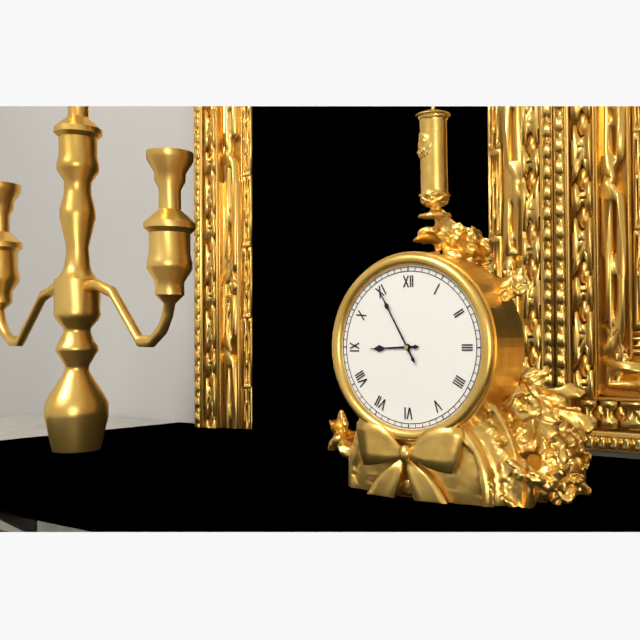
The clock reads **8:55**
